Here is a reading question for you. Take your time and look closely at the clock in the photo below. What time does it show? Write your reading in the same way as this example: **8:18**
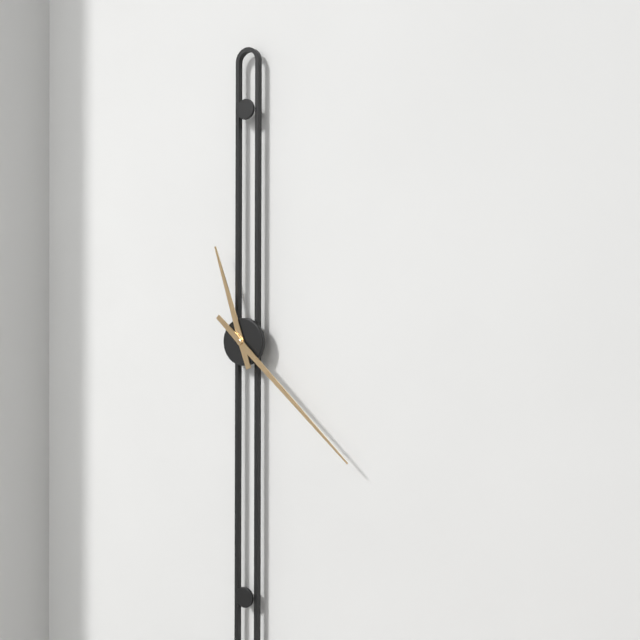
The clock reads **11:22**
